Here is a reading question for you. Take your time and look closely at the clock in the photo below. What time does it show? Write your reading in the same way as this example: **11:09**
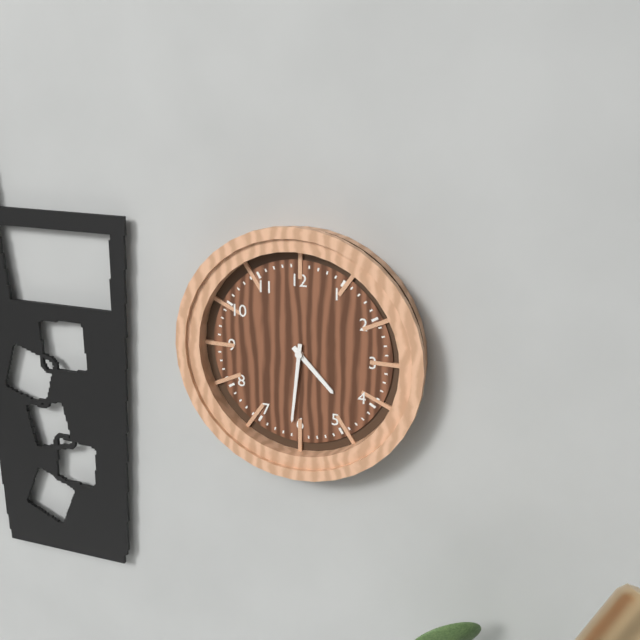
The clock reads **4:31**
